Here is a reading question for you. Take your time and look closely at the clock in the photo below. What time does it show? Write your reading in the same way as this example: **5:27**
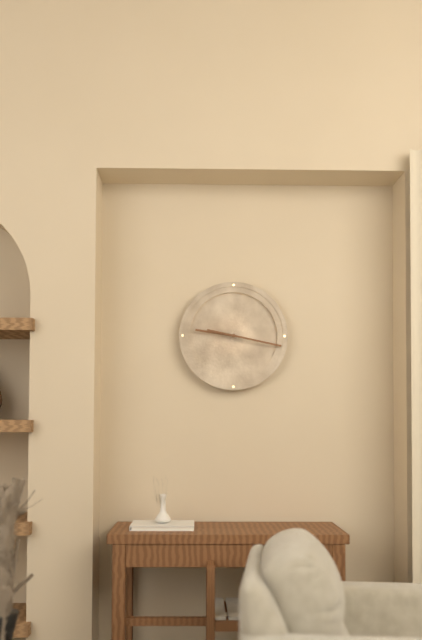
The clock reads **9:17**
